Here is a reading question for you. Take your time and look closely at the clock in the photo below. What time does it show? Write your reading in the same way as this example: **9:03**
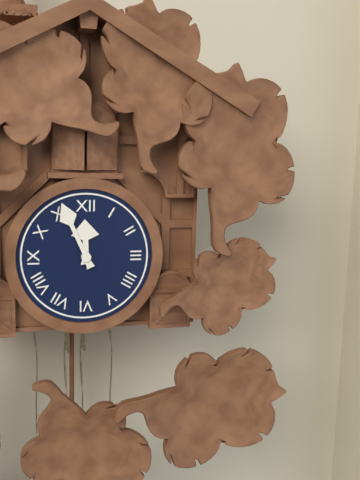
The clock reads **11:56**
